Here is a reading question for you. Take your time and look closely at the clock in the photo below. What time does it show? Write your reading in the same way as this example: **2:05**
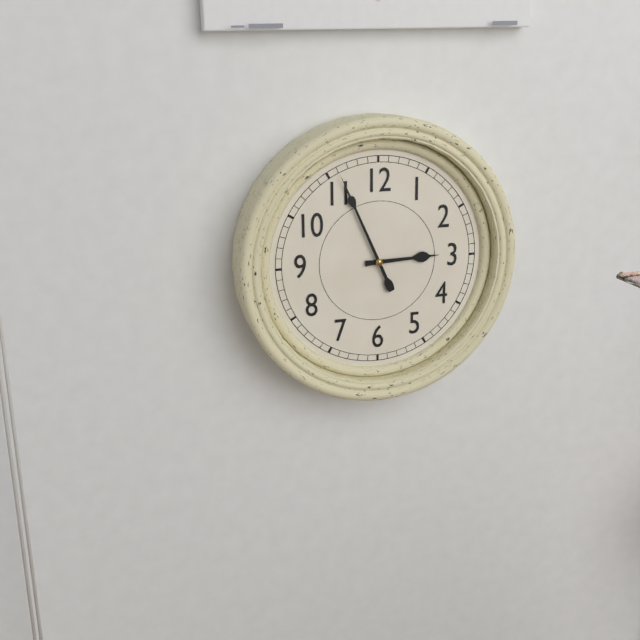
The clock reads **2:56**
